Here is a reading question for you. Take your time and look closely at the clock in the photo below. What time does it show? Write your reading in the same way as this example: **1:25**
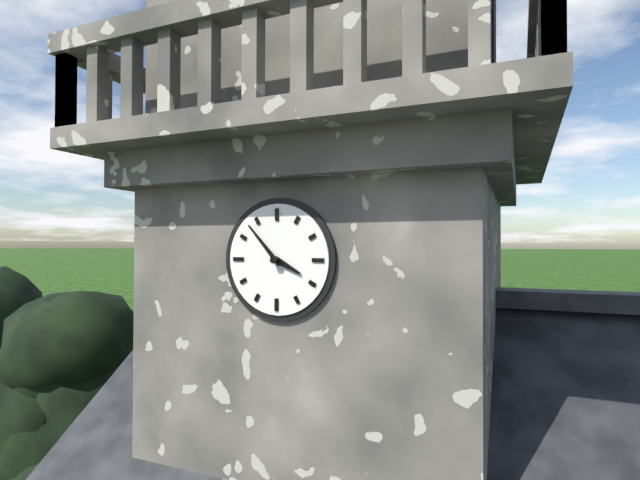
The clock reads **3:53**
